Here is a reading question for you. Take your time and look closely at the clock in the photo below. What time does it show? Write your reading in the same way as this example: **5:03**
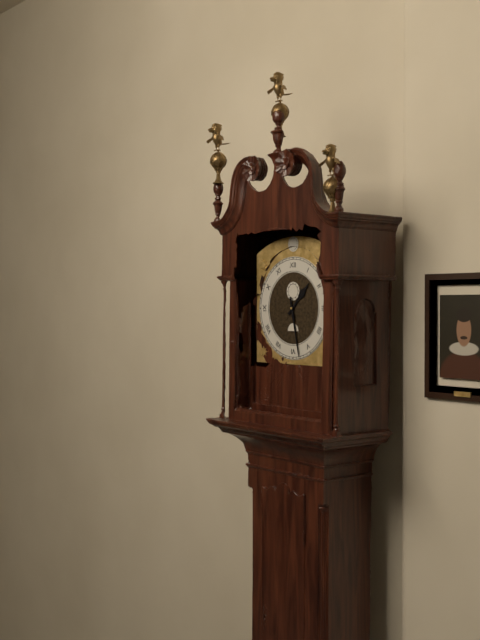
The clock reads **1:28**
